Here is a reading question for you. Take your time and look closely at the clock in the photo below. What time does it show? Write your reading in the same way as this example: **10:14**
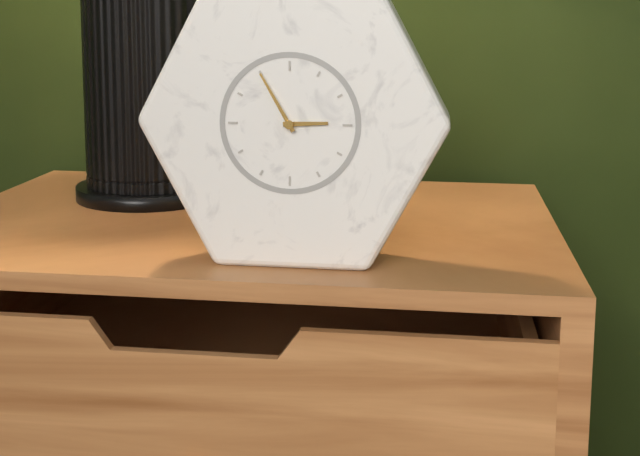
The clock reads **2:55**
